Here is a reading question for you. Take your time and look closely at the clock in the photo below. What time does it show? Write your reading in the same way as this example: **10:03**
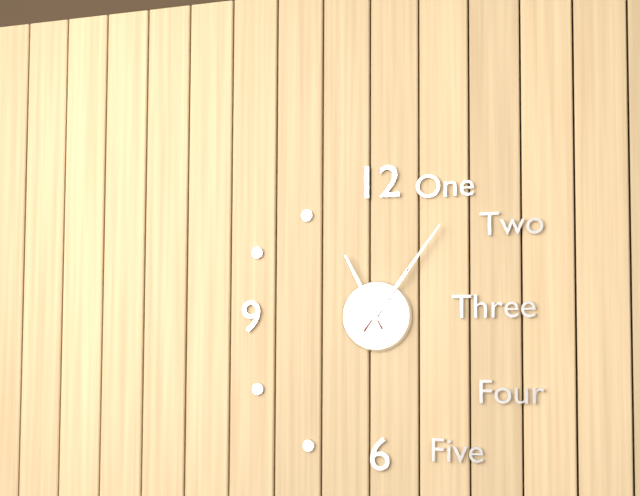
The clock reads **11:06**
